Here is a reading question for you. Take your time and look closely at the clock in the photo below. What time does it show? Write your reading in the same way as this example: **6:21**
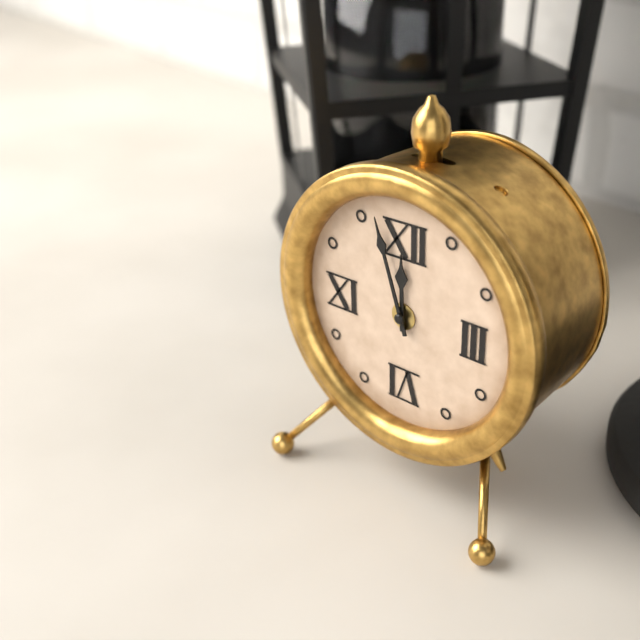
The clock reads **11:57**
